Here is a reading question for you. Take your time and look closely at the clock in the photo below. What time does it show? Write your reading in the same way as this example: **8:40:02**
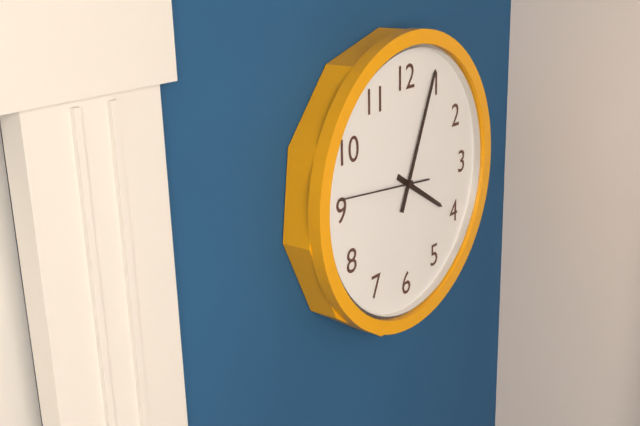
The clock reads **4:04:46**
